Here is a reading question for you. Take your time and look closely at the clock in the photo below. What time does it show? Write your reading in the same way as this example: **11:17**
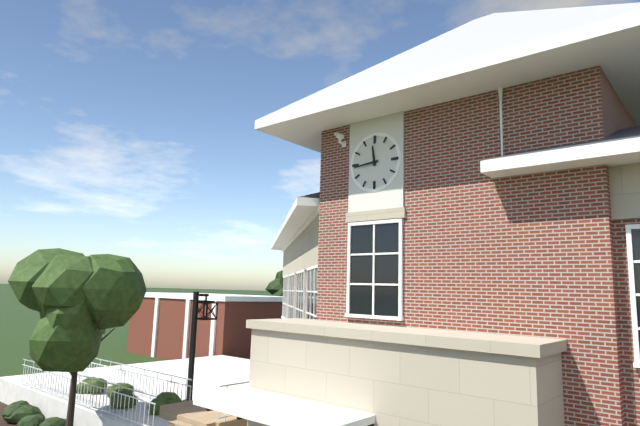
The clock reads **11:44**
